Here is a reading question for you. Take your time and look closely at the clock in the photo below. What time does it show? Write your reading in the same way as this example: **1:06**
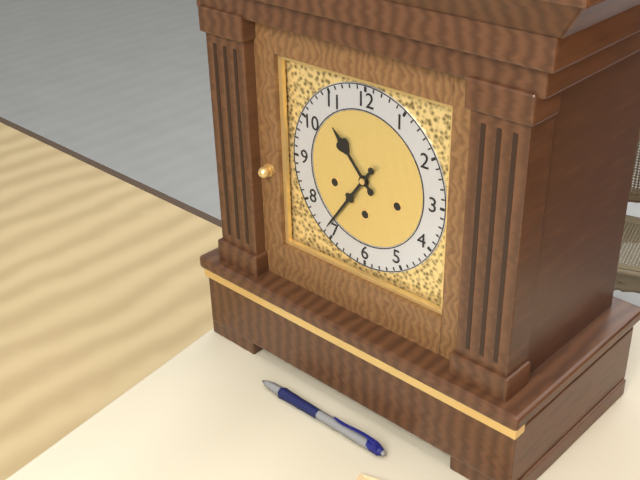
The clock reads **10:36**
